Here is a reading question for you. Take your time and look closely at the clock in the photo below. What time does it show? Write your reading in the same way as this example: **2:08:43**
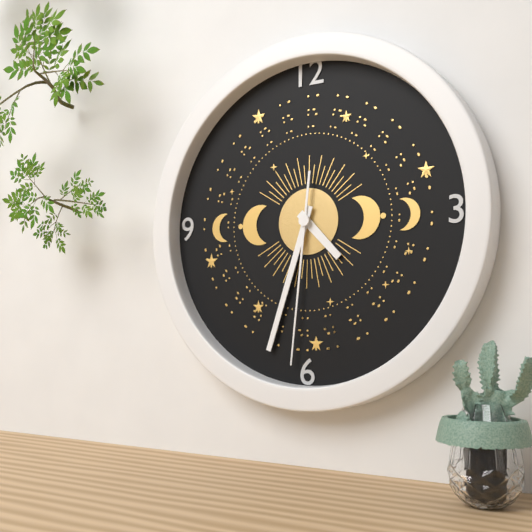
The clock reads **4:33:31**
